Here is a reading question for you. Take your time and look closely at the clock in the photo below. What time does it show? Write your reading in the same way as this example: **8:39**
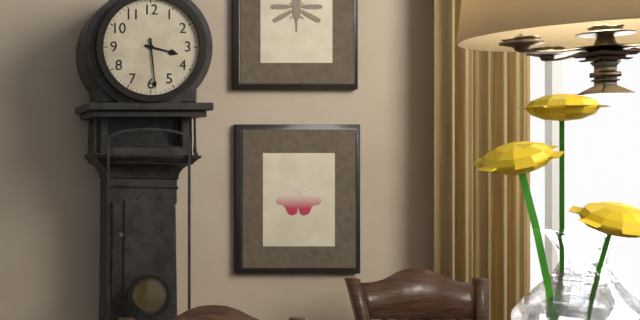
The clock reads **3:29**
